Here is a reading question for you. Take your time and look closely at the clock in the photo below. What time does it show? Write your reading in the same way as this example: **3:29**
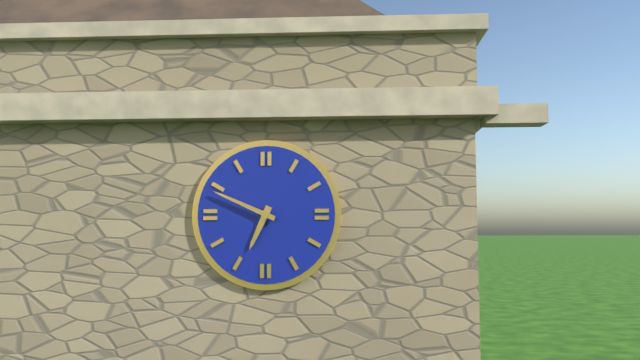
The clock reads **6:49**
